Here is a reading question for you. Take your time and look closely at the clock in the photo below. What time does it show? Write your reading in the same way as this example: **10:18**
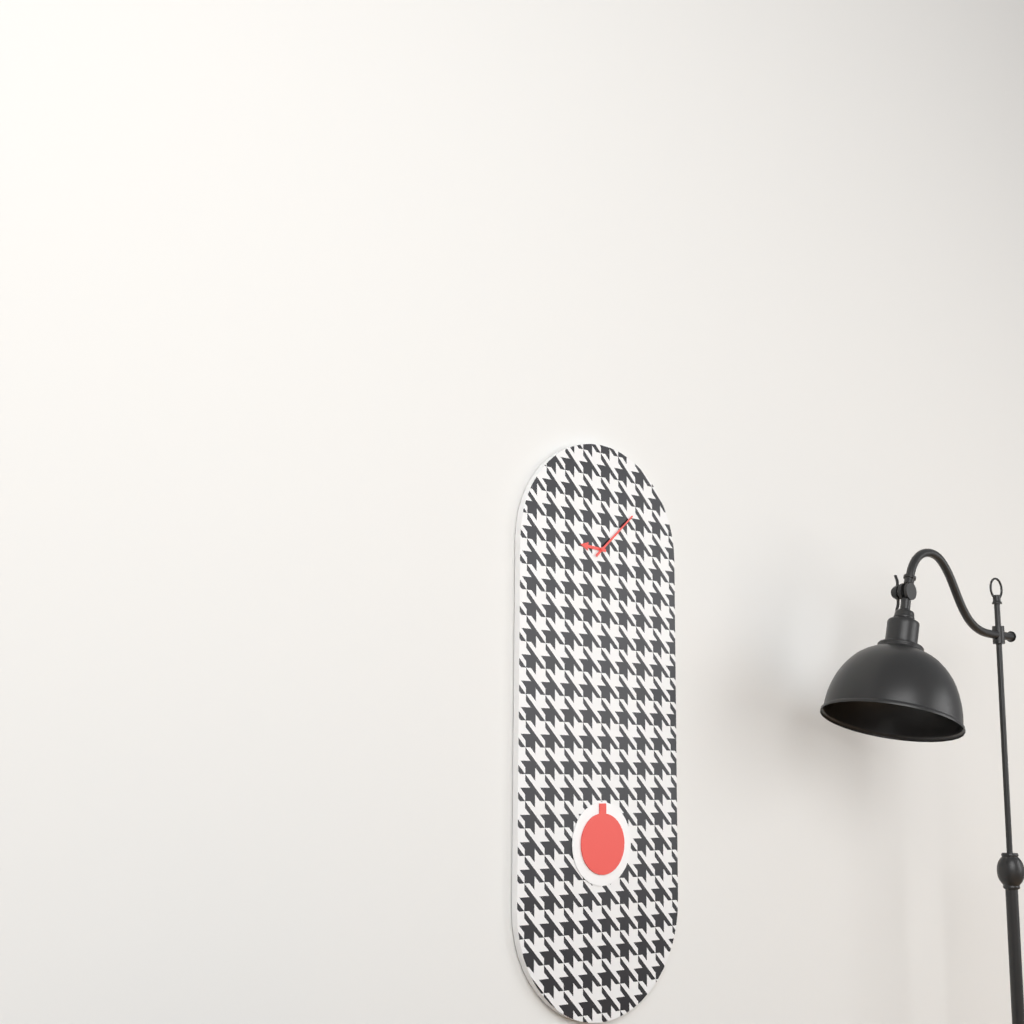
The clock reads **9:08**
